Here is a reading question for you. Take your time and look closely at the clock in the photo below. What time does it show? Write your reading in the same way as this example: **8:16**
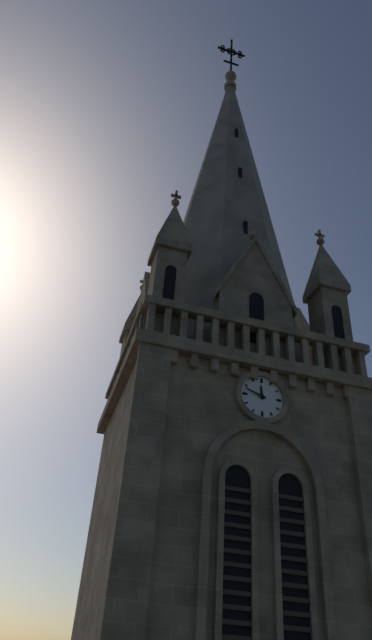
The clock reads **11:48**
